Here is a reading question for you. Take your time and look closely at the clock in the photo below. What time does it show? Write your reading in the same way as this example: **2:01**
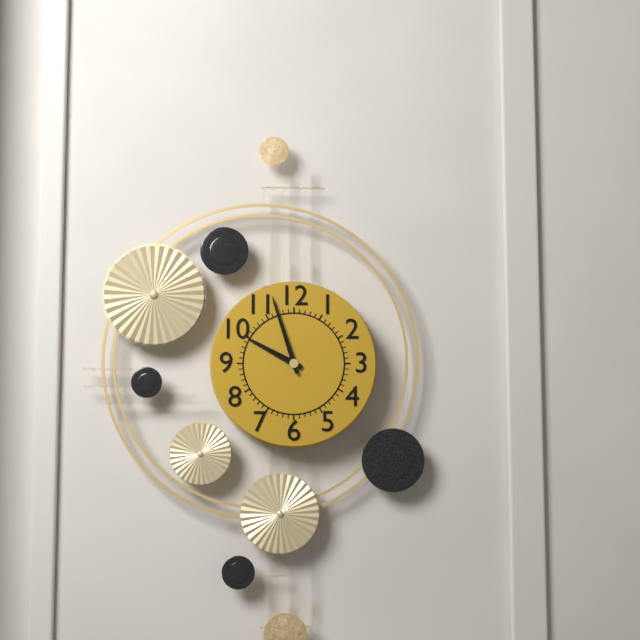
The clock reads **9:57**
